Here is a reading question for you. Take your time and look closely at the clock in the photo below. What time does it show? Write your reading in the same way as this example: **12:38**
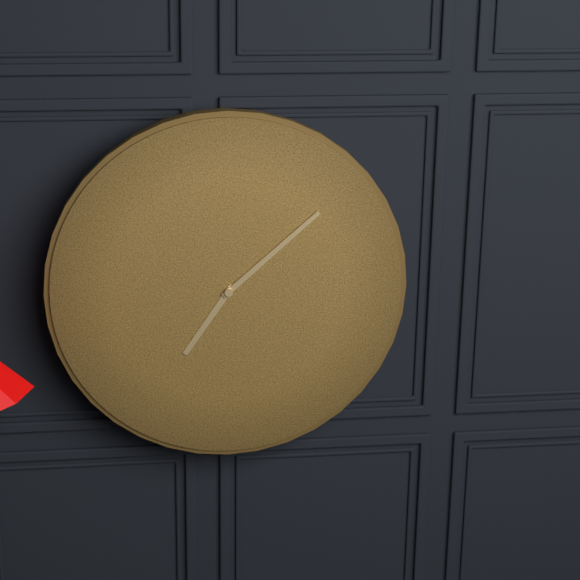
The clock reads **7:08**
